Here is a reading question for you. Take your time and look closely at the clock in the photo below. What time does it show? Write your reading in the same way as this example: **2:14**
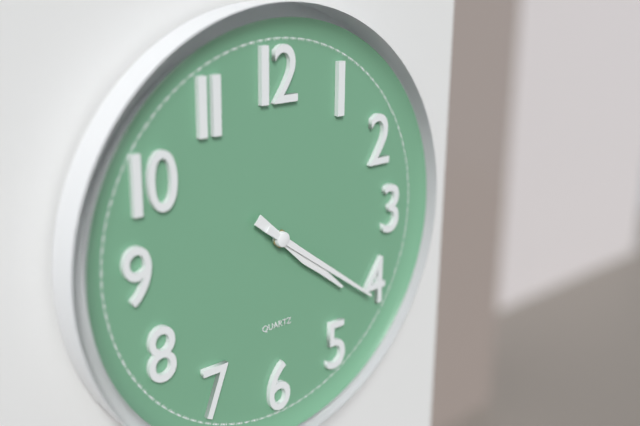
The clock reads **4:21**
